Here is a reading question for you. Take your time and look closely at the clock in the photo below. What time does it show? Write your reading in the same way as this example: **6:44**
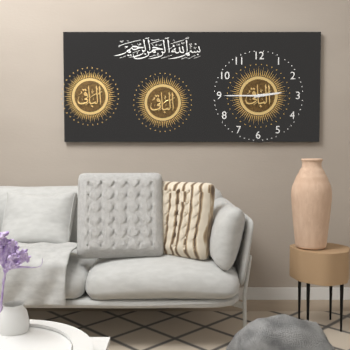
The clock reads **2:45**
